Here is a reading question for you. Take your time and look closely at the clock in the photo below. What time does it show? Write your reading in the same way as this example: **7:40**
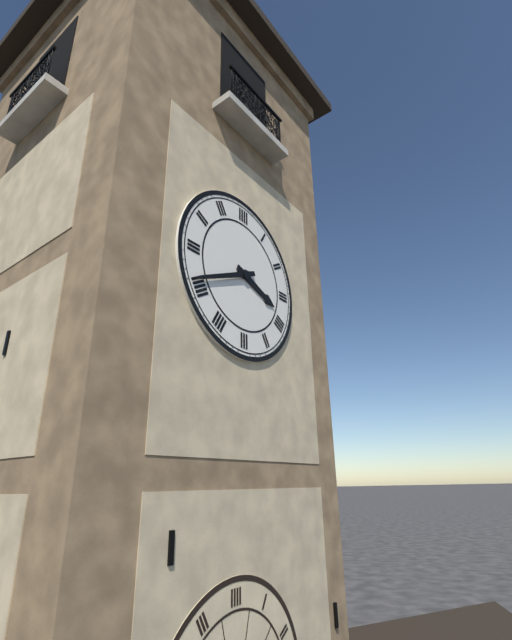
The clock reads **3:41**
